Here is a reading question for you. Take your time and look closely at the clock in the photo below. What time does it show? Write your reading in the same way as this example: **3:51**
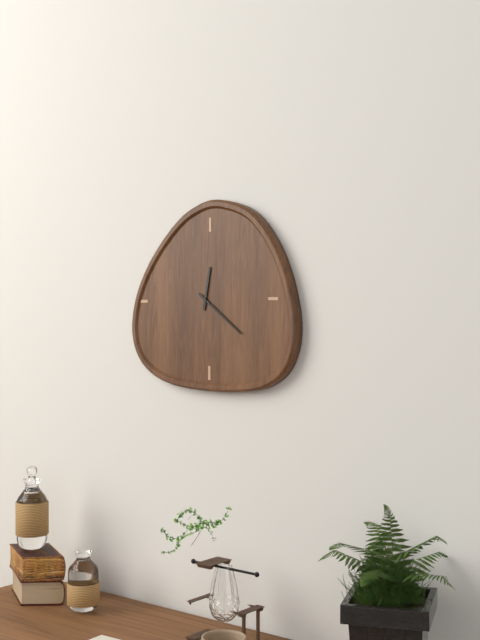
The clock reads **12:21**
